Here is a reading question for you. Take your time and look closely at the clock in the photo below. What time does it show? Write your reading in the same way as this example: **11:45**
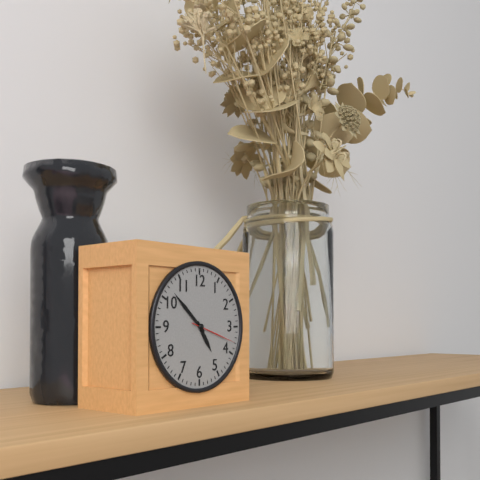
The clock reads **4:52**
